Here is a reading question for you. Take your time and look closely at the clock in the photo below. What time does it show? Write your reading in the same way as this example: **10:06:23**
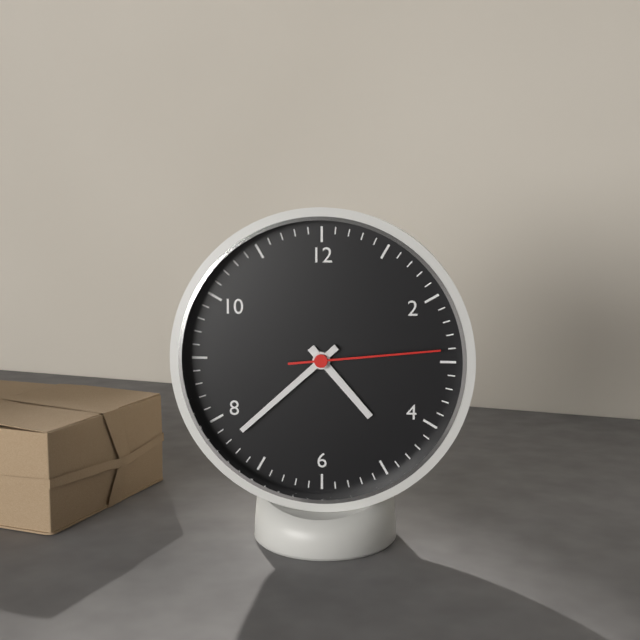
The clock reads **4:38:14**
